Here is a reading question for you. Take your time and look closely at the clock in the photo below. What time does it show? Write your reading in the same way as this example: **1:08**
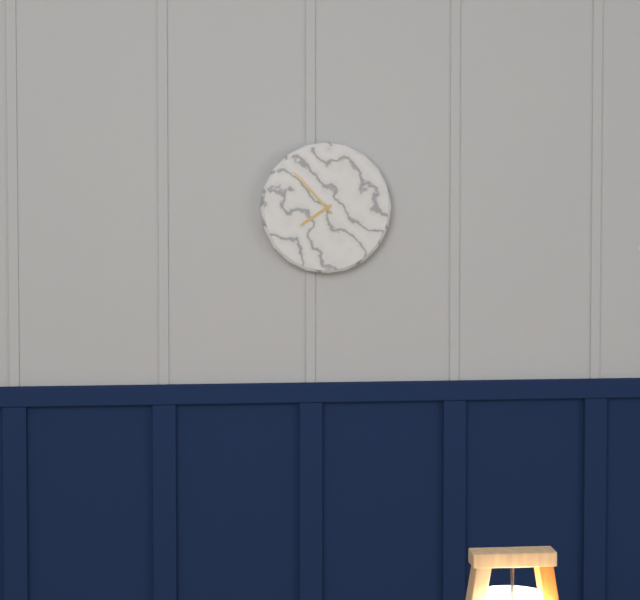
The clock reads **7:53**
